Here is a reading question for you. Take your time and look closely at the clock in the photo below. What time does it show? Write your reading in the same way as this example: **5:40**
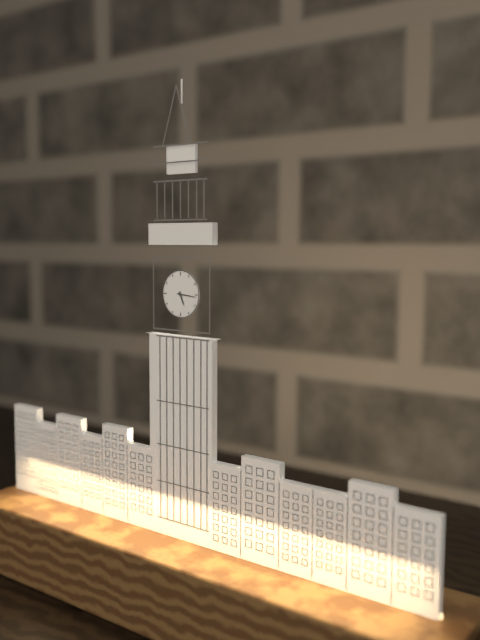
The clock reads **5:16**
